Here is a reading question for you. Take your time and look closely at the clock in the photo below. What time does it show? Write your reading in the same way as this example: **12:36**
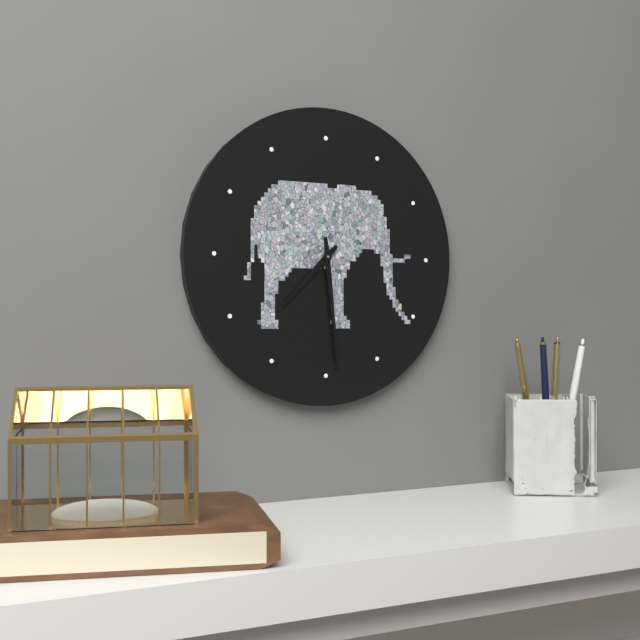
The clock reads **7:29**
